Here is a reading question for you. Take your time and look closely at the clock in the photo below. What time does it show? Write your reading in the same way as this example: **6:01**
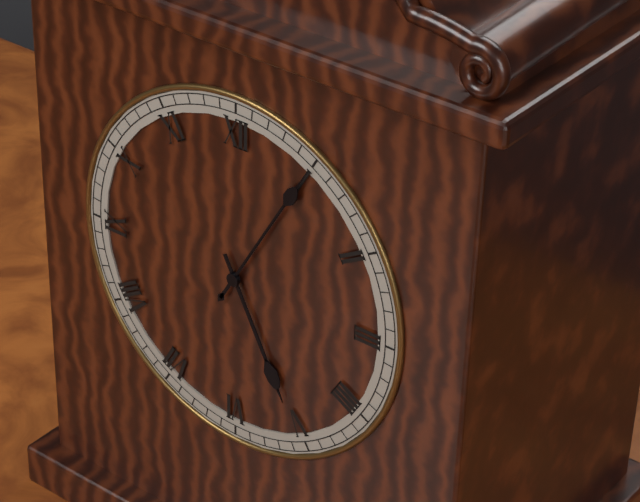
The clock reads **5:05**
